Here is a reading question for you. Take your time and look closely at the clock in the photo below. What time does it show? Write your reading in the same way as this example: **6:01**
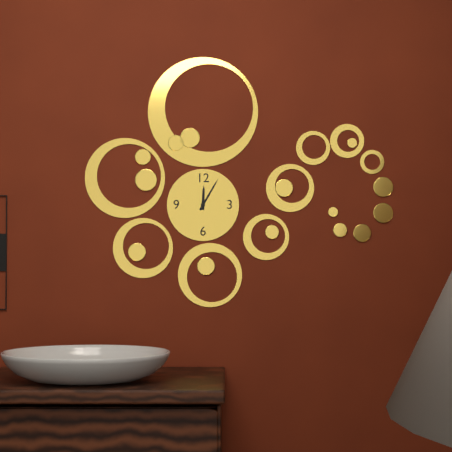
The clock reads **12:05**
